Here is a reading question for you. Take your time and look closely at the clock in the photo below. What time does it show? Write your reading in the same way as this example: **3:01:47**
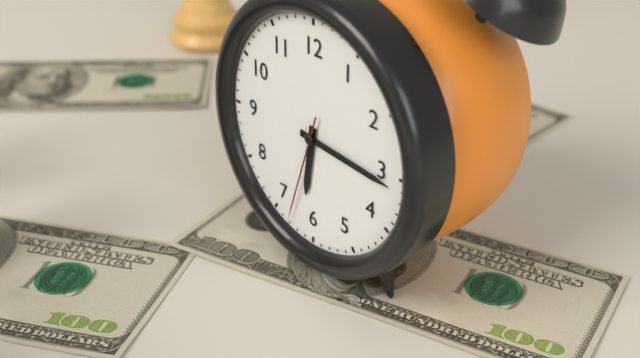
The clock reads **6:16:33**
